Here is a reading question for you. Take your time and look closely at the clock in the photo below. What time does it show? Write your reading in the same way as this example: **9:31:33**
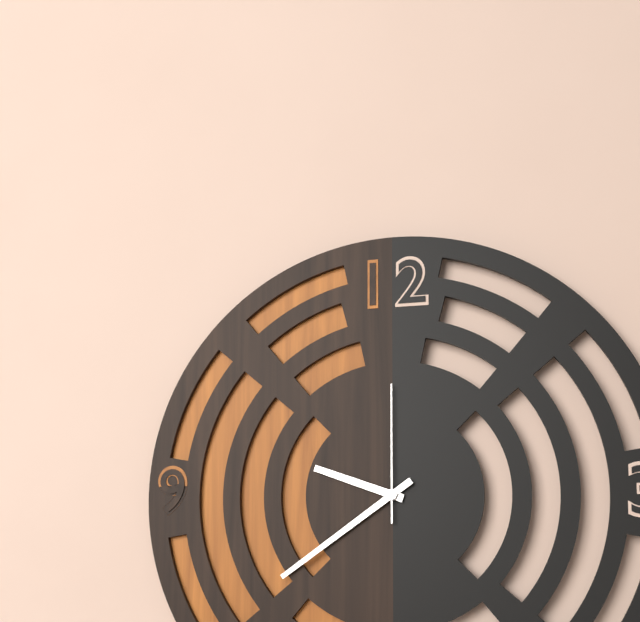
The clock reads **9:39:00**
